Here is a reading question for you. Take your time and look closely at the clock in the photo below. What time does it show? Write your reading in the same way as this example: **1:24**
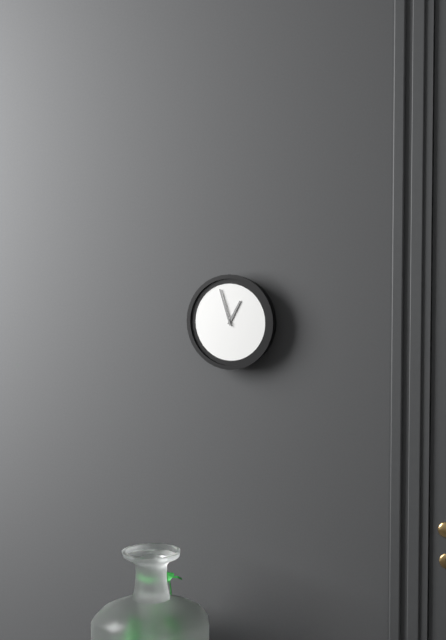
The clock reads **12:57**
